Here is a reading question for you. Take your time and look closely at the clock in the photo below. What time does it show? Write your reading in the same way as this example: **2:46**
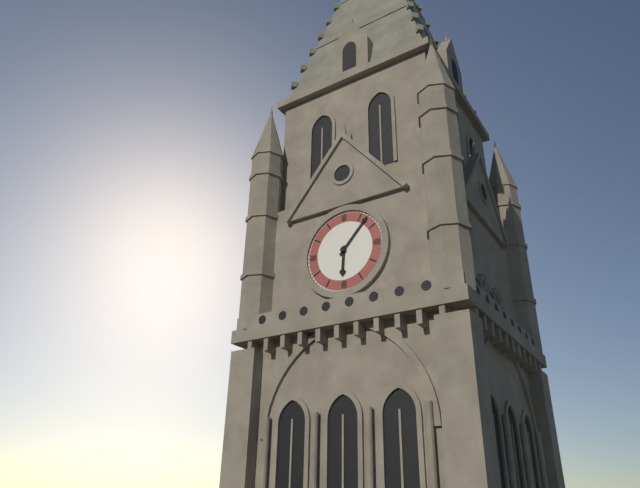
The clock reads **6:07**
